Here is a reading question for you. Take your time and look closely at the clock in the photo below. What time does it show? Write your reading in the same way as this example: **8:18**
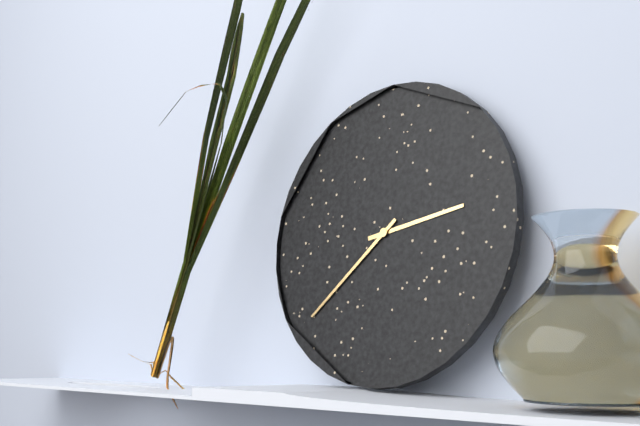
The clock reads **2:38**
